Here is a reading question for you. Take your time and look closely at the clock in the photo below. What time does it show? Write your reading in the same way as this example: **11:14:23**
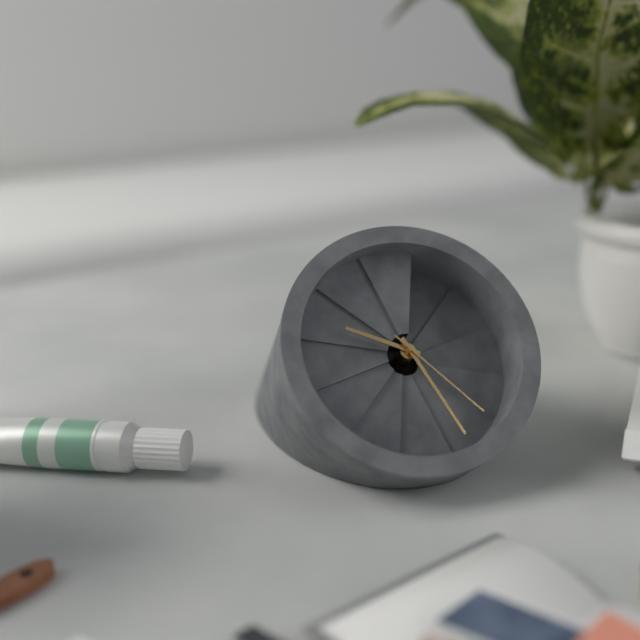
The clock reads **9:24:21**
